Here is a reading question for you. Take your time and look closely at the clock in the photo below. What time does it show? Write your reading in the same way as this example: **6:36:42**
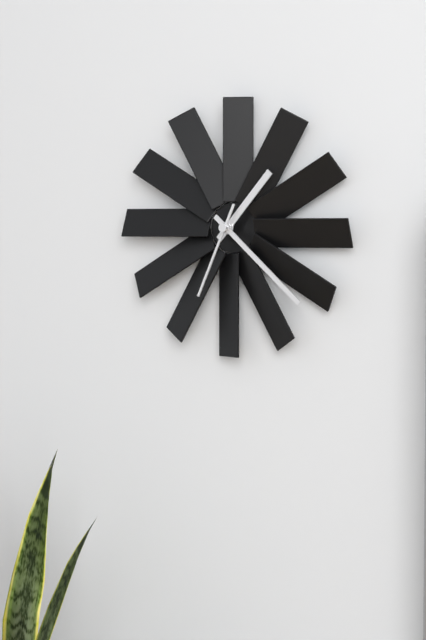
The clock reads **1:22:34**
